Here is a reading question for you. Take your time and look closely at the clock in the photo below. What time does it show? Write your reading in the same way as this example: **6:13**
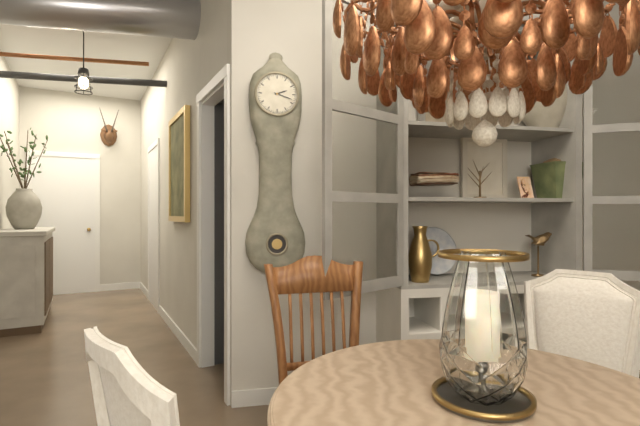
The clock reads **2:18**
